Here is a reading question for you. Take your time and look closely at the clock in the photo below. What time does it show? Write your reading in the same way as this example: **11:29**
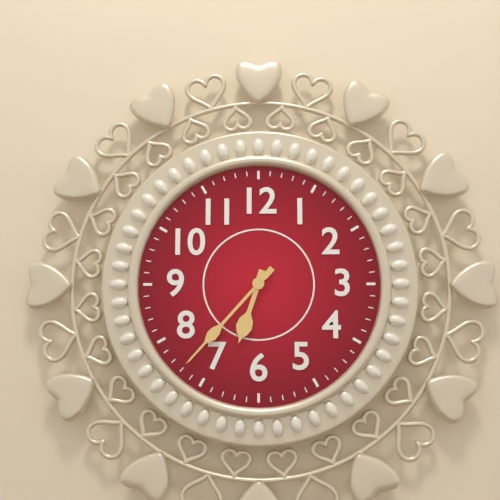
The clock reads **6:37**
